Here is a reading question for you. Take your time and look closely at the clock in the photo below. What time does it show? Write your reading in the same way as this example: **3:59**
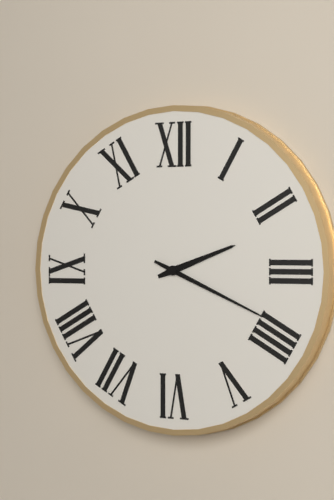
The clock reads **2:19**
